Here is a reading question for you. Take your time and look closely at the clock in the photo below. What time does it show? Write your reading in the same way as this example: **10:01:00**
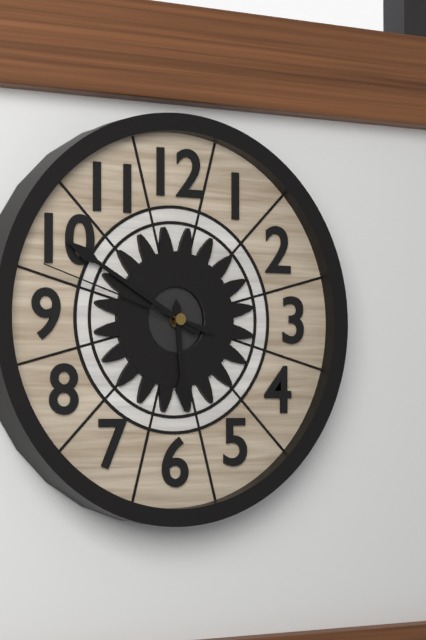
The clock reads **5:50:48**
